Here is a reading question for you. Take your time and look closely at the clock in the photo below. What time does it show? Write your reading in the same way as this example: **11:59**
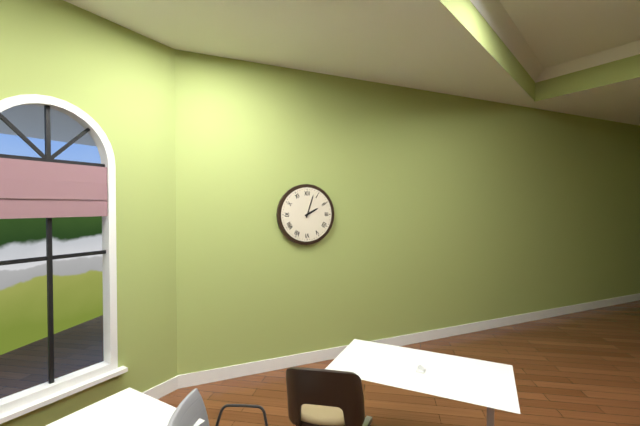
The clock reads **2:03**
